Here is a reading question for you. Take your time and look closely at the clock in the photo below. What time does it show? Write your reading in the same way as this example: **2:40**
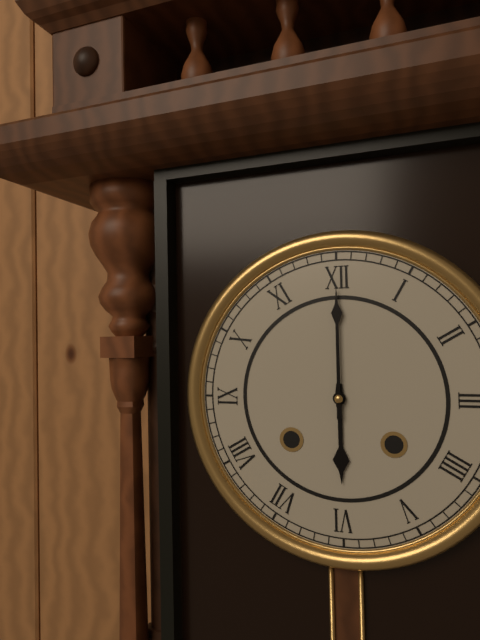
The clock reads **6:00**
